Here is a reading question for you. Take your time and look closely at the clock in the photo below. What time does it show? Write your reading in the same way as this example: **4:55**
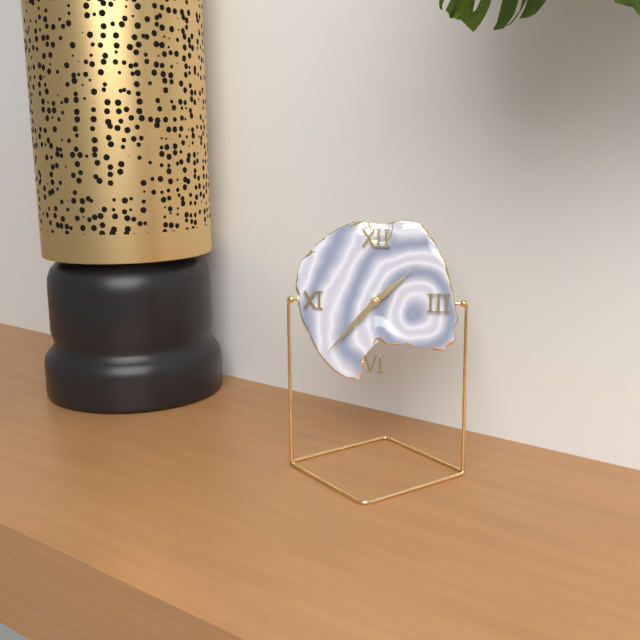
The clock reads **1:37**
